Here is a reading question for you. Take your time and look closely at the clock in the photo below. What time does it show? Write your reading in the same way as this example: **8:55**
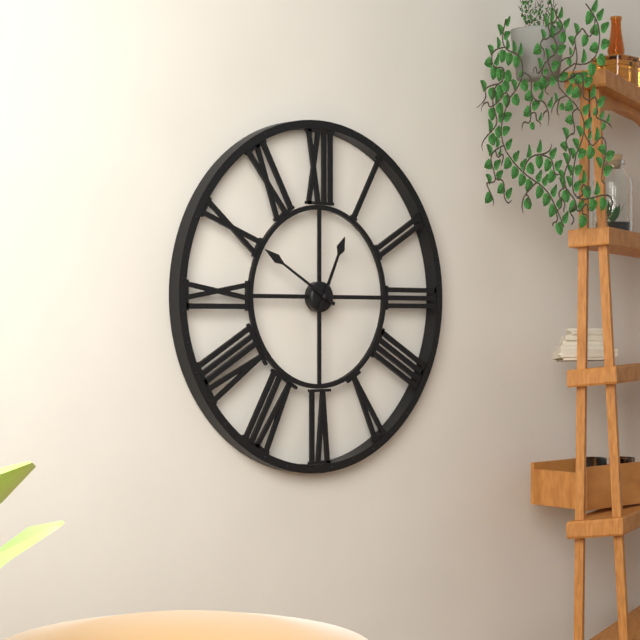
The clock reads **12:50**
